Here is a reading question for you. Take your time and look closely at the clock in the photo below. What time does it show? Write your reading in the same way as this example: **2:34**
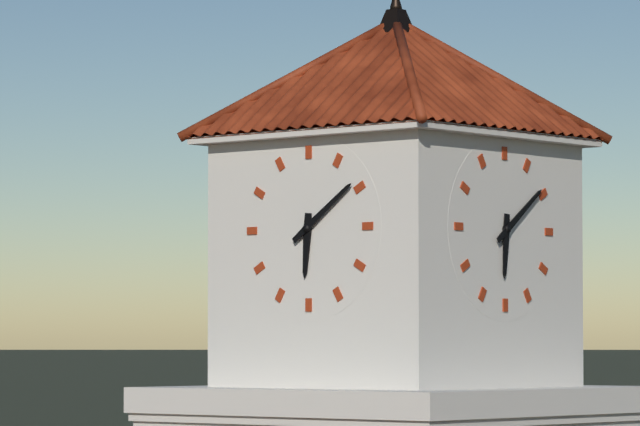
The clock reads **6:09**
